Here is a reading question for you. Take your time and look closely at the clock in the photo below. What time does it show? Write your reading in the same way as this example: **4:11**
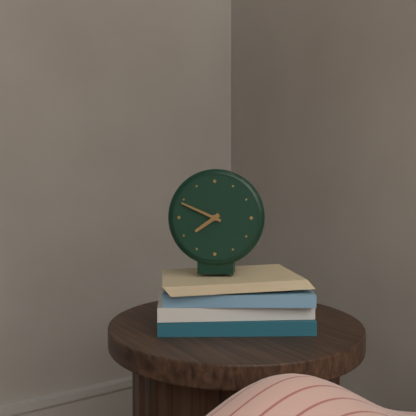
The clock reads **7:49**
